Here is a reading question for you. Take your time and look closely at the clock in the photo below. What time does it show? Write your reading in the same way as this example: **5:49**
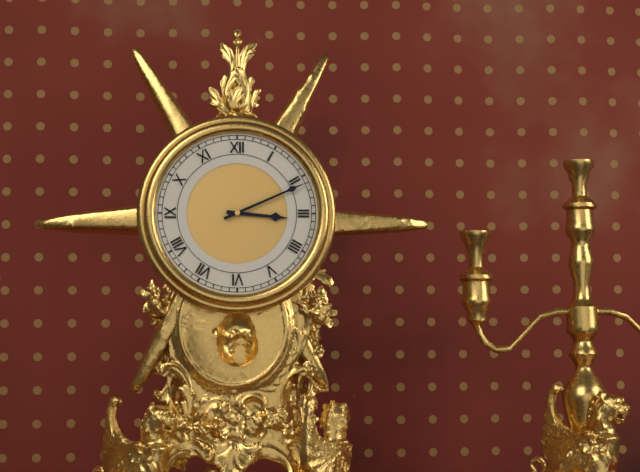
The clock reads **3:11**
